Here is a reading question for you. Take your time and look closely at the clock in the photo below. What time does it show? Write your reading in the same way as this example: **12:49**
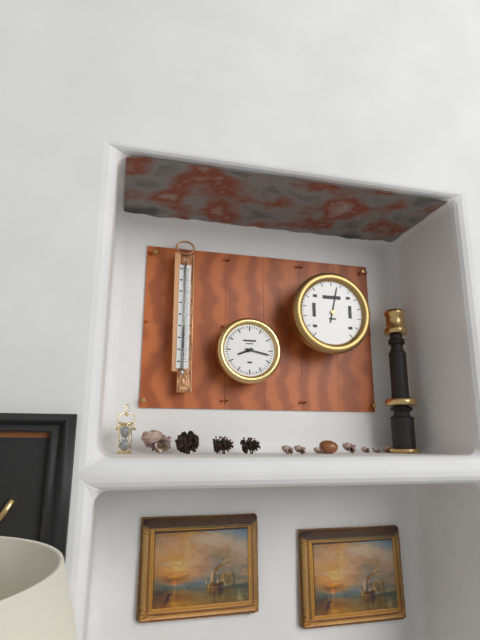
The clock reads **8:17**
